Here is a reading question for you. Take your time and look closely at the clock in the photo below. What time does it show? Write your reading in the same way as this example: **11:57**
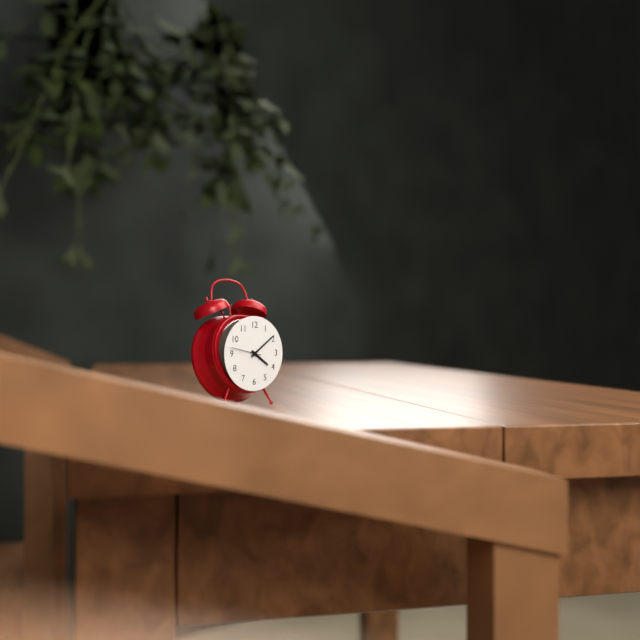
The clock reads **4:09**
